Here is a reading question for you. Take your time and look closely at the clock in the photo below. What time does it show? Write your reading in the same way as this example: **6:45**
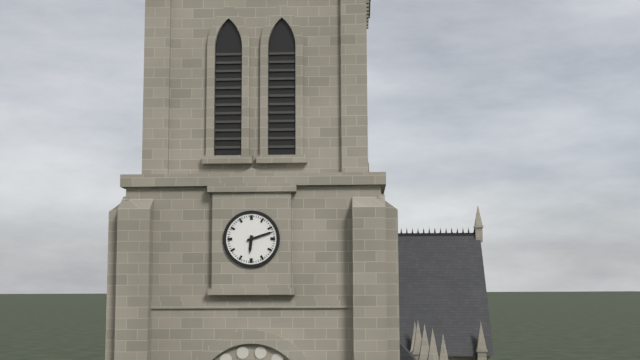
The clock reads **6:12**
